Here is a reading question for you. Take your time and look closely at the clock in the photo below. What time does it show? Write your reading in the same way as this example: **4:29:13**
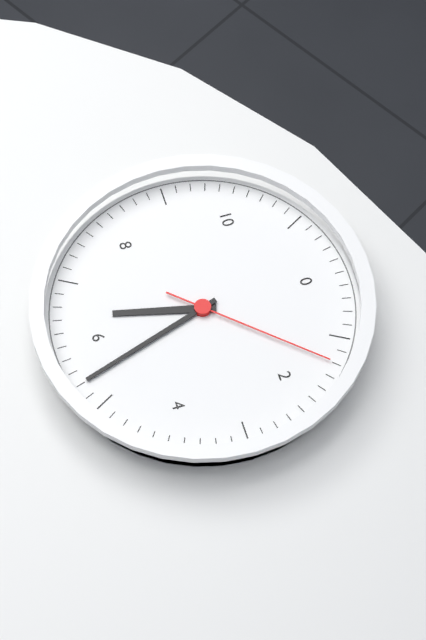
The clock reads **6:27:07**
